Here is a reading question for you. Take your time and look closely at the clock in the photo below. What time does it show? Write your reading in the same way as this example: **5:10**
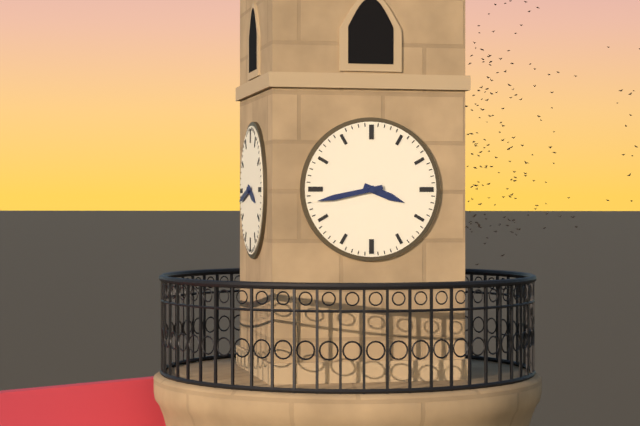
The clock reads **3:43**
